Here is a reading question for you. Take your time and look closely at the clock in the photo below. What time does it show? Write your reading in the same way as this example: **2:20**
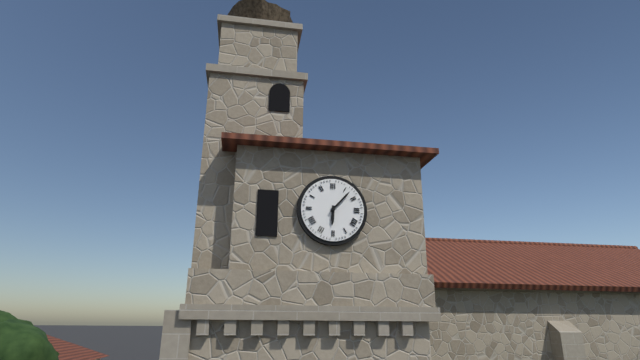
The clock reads **6:07**
